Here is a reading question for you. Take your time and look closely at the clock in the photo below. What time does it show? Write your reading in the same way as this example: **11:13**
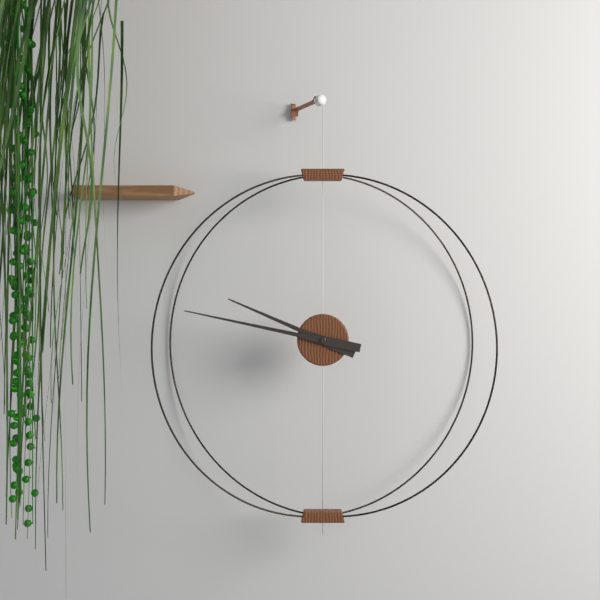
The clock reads **9:47**
